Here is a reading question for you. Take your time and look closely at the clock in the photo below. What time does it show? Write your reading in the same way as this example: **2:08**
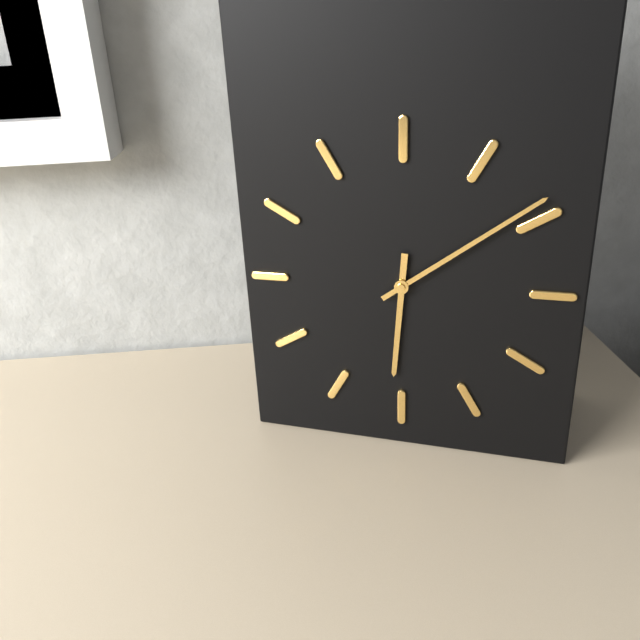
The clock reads **6:09**
